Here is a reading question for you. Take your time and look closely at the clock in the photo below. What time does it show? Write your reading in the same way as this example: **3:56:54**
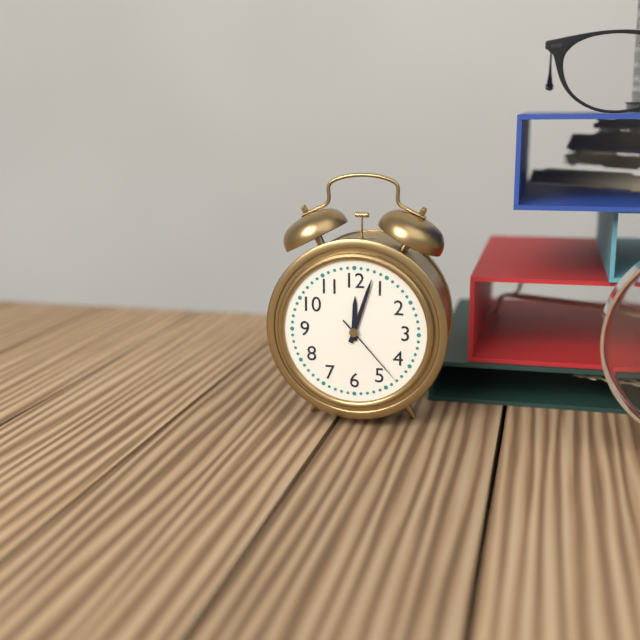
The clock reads **12:03:23**
